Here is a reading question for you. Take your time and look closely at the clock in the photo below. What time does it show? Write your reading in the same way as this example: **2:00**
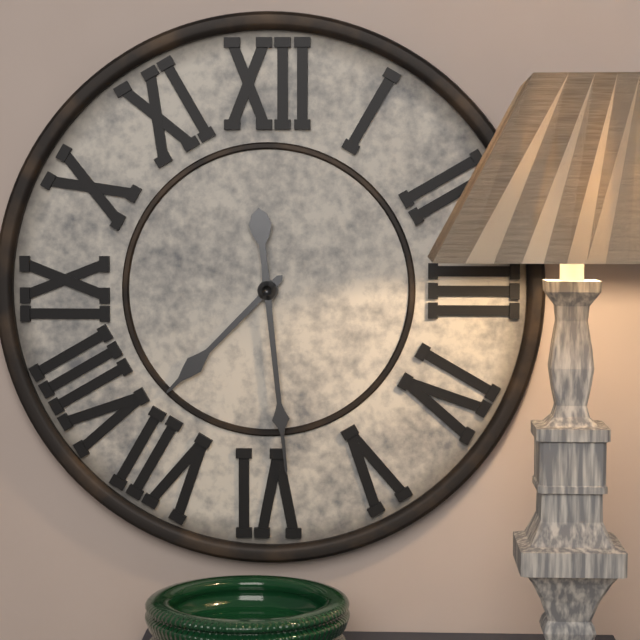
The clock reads **7:29**
